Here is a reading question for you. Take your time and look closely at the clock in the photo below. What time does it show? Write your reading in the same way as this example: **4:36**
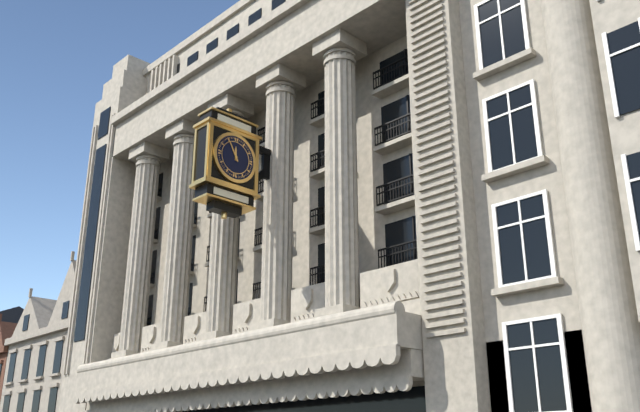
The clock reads **11:55**
